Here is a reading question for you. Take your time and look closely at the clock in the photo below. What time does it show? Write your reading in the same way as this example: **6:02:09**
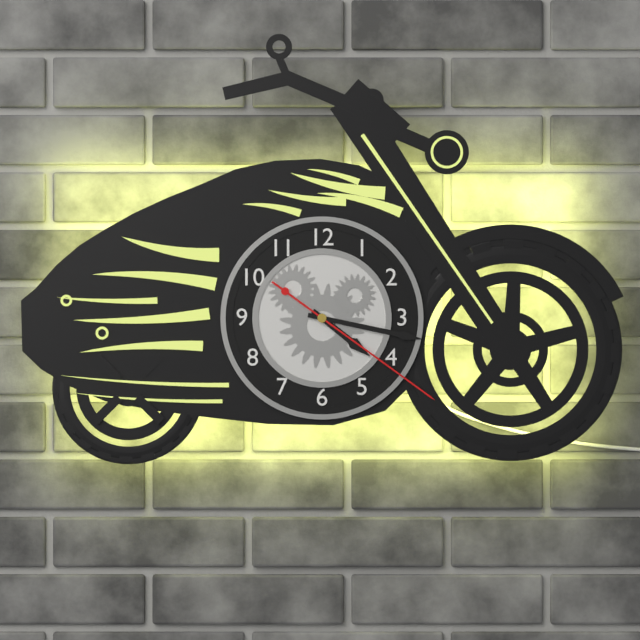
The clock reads **4:17:21**
